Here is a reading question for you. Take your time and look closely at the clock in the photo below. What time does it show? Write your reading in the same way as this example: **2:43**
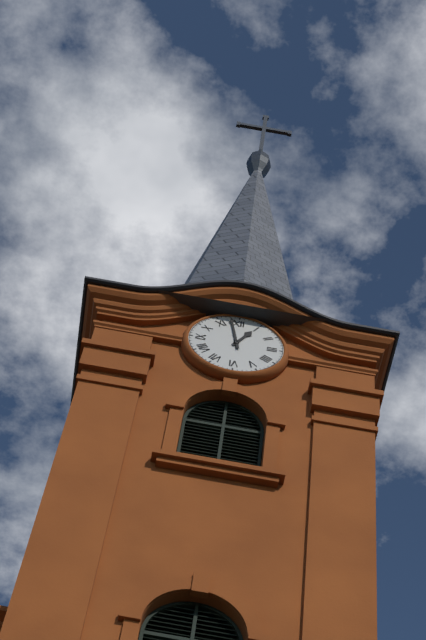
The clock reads **12:58**
